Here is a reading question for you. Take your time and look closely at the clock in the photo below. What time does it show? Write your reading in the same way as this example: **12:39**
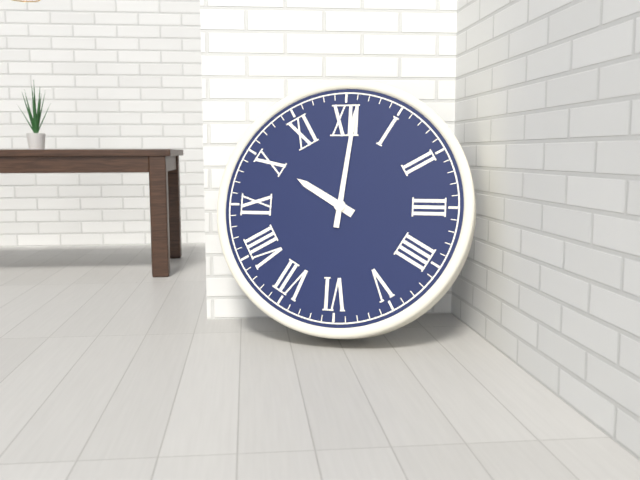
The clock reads **10:01**
